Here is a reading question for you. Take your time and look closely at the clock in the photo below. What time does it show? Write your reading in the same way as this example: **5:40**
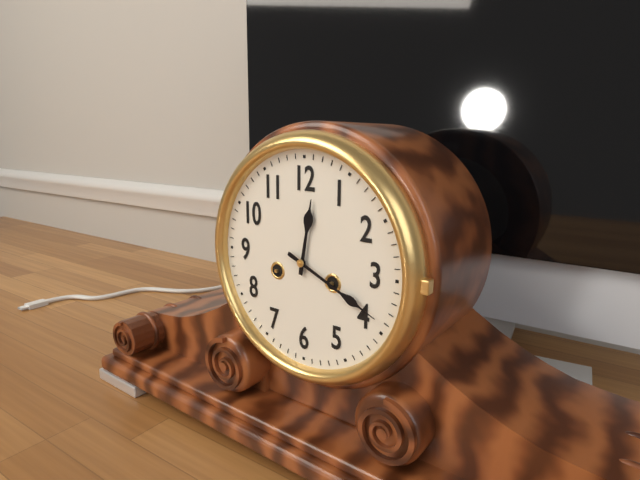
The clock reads **12:19**
